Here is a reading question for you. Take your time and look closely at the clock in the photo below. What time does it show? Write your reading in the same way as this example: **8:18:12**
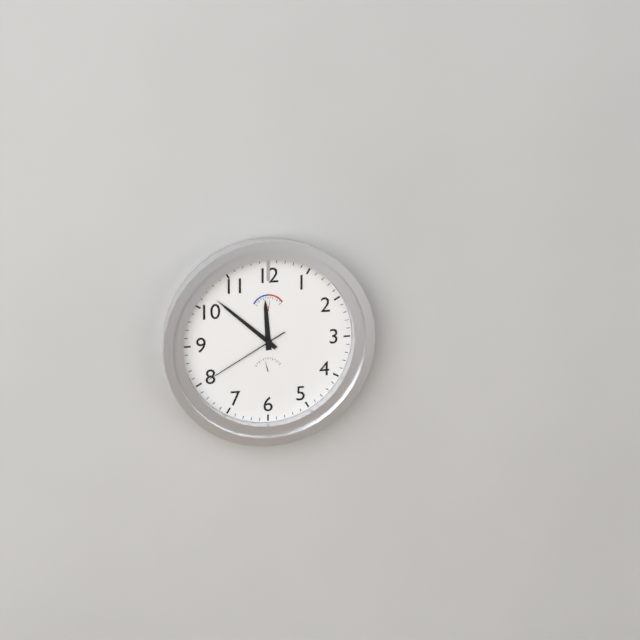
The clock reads **11:52:40**
